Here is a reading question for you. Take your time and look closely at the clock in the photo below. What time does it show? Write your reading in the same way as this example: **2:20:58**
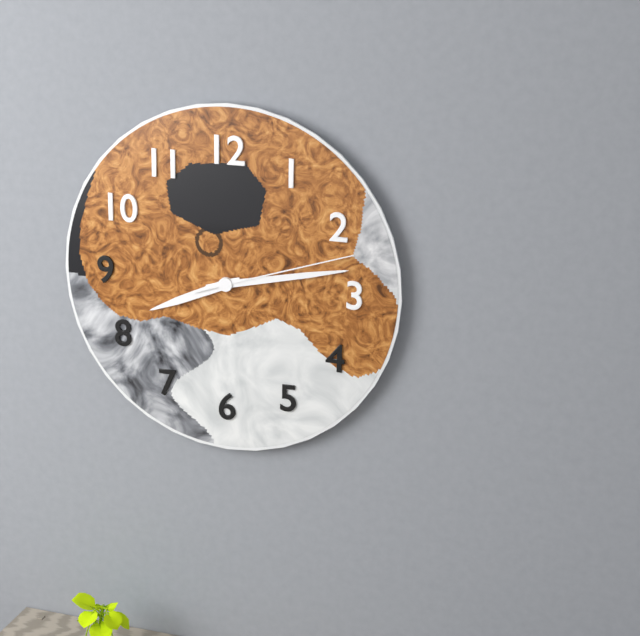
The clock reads **8:13:12**
